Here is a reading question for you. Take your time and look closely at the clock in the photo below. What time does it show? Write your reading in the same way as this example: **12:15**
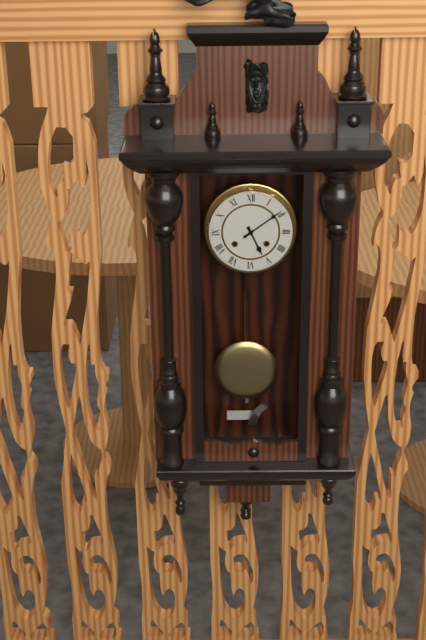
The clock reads **5:09**
